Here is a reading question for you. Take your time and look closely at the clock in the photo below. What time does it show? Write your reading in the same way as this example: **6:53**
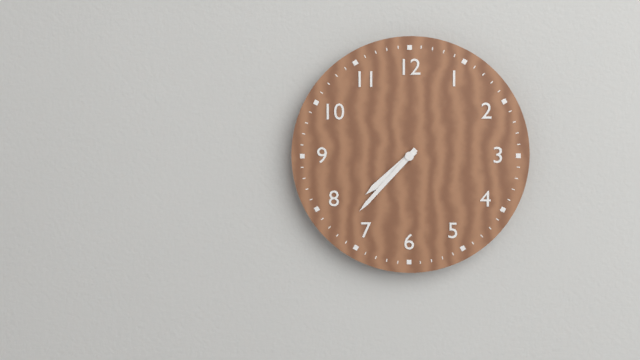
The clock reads **7:37**
